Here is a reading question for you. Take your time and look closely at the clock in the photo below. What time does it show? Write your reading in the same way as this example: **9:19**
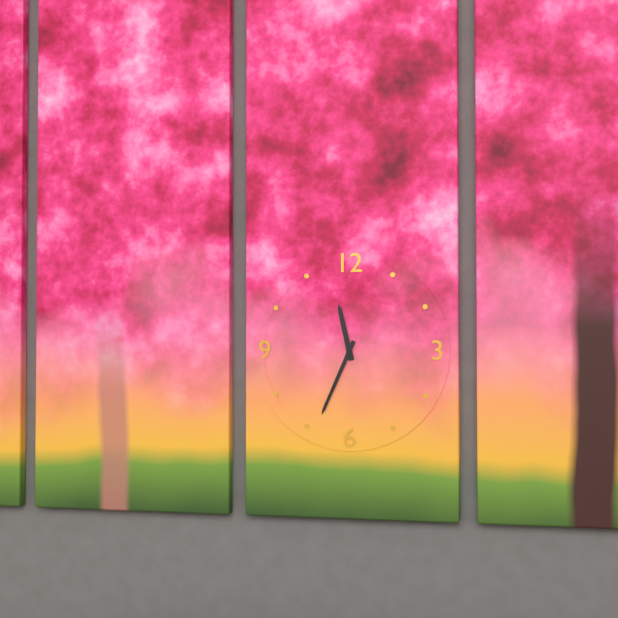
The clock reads **11:34**
